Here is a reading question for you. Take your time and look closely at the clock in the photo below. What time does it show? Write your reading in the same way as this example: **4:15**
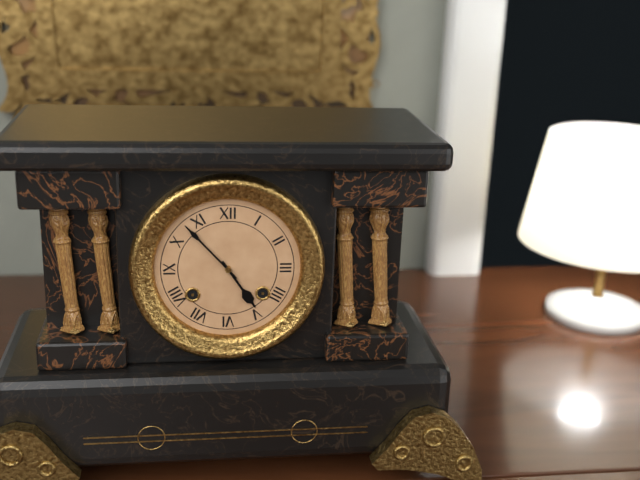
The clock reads **4:53**
